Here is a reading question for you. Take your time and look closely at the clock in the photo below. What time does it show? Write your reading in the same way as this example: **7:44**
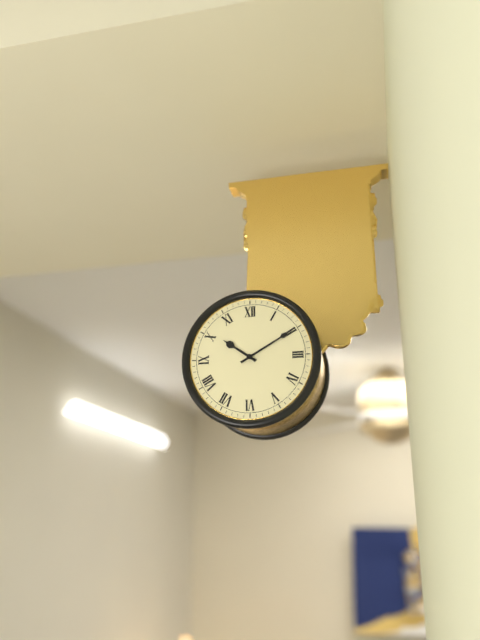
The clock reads **10:10**
